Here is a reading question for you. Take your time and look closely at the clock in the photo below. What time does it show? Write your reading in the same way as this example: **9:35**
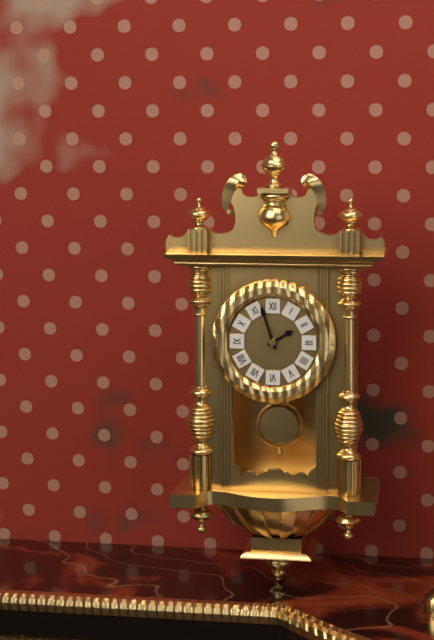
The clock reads **1:57**
